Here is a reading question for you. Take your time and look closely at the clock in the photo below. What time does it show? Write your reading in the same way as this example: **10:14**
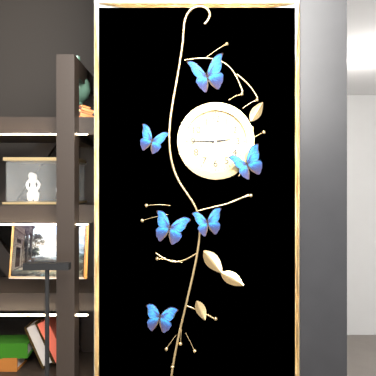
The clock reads **2:45**
